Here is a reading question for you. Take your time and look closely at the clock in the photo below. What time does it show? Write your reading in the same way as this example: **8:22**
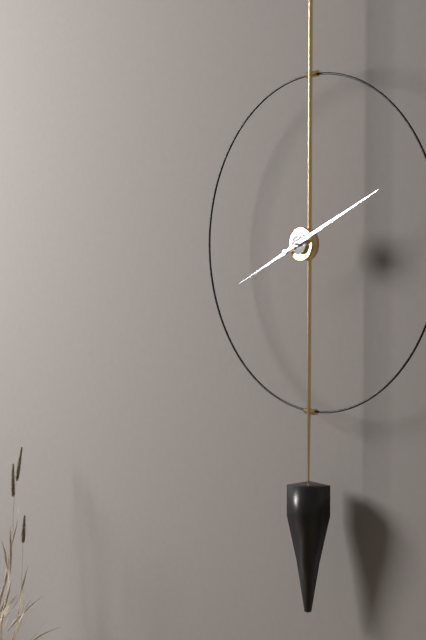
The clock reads **8:11**
